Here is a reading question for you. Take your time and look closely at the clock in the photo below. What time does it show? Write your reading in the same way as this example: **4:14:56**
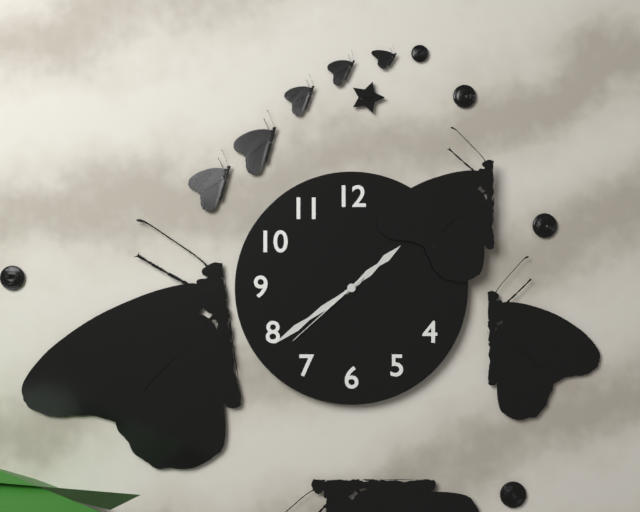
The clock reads **1:39:38**
